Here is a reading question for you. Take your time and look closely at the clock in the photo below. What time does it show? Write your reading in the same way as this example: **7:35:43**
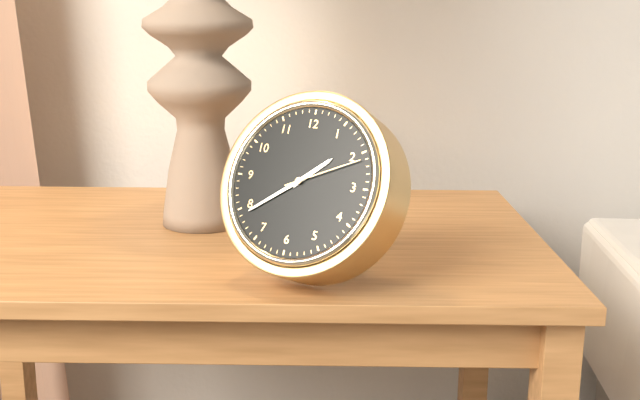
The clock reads **1:39:11**
